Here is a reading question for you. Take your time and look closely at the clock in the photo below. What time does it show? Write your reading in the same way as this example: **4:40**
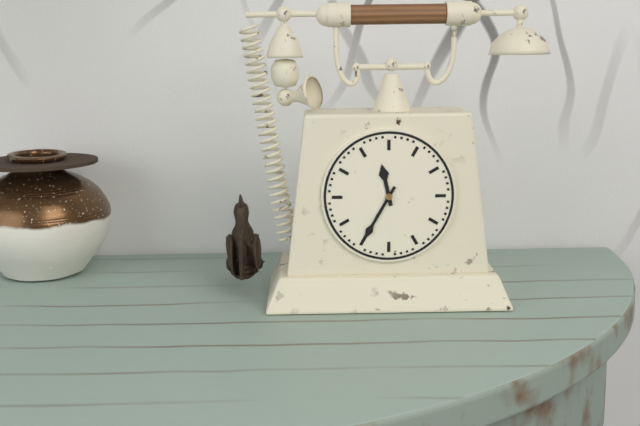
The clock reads **11:35**
